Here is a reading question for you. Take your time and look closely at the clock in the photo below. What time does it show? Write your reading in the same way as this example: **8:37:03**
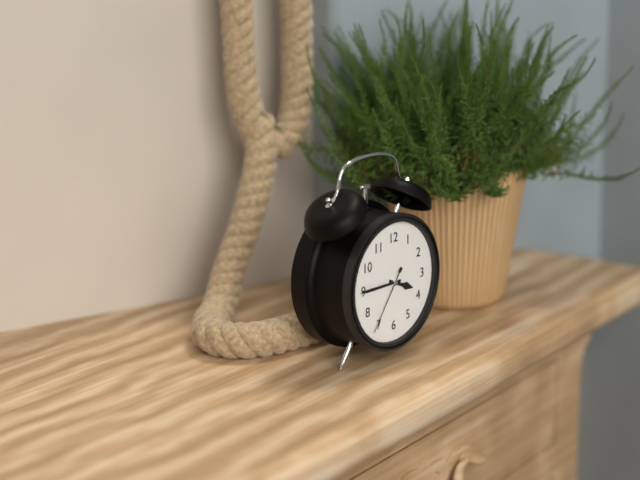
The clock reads **3:45:36**
